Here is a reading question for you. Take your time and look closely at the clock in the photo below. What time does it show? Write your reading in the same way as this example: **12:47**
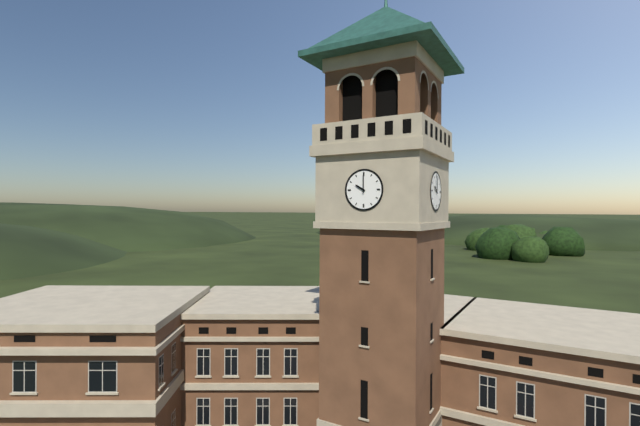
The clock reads **10:00**
